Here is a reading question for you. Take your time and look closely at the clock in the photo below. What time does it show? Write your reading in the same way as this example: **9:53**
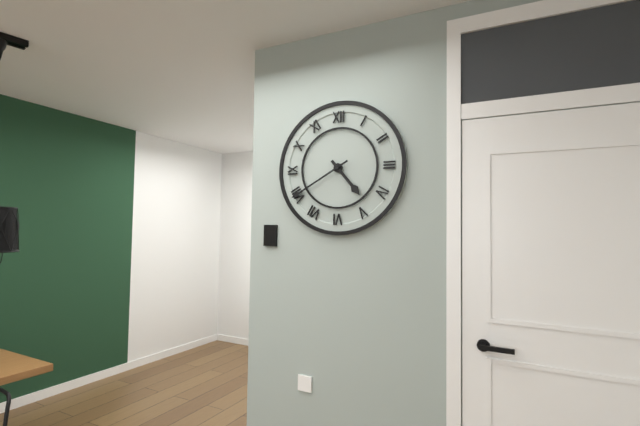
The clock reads **4:40**
